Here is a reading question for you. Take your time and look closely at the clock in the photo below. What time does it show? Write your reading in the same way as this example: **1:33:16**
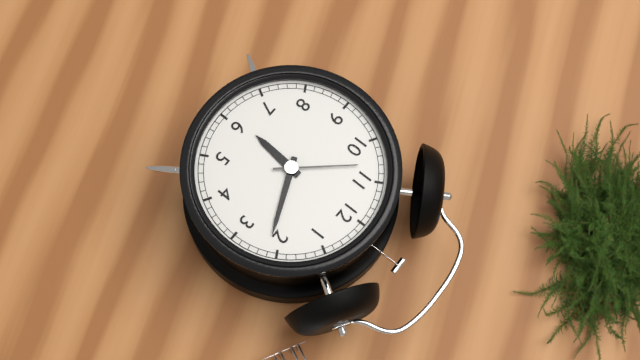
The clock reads **6:11:53**
